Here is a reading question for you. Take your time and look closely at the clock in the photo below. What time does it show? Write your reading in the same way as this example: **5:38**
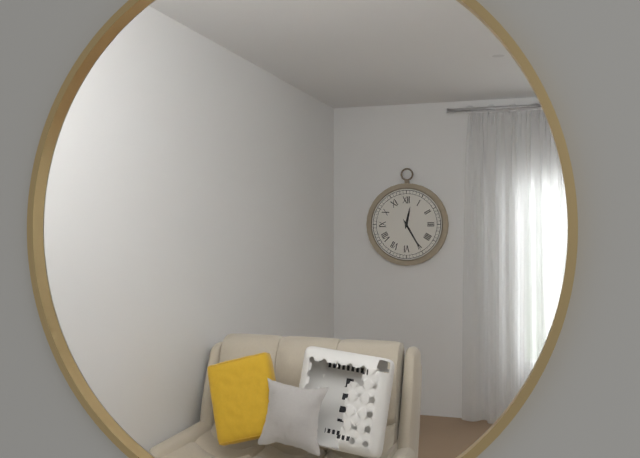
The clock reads **12:25**
